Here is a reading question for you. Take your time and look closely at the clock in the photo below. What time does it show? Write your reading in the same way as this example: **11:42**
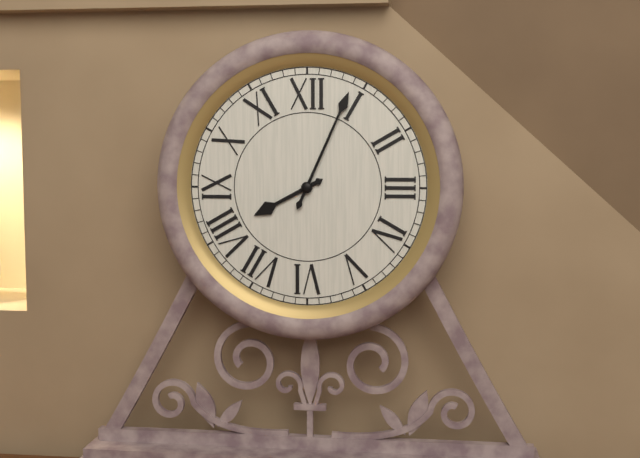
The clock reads **8:04**
